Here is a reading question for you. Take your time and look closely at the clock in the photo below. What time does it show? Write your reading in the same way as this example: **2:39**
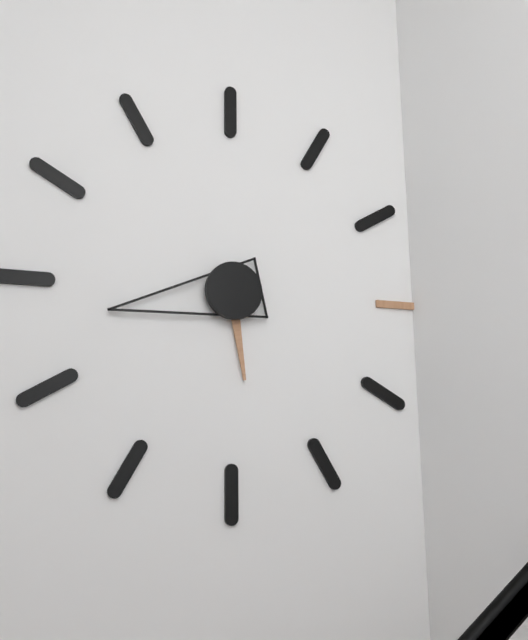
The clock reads **5:43**
